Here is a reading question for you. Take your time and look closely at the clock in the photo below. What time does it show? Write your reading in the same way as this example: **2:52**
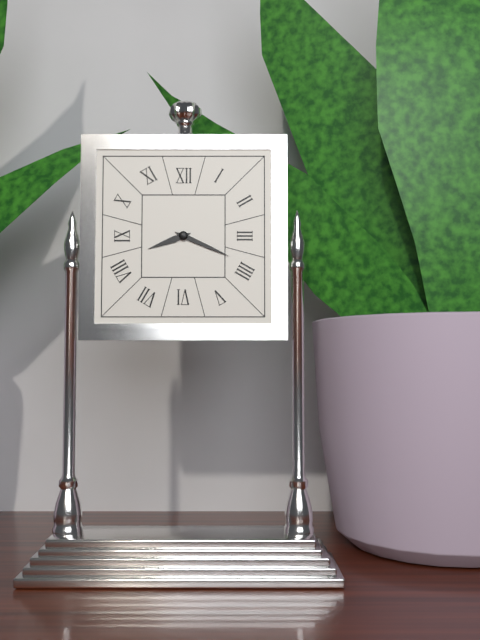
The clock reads **8:19**
